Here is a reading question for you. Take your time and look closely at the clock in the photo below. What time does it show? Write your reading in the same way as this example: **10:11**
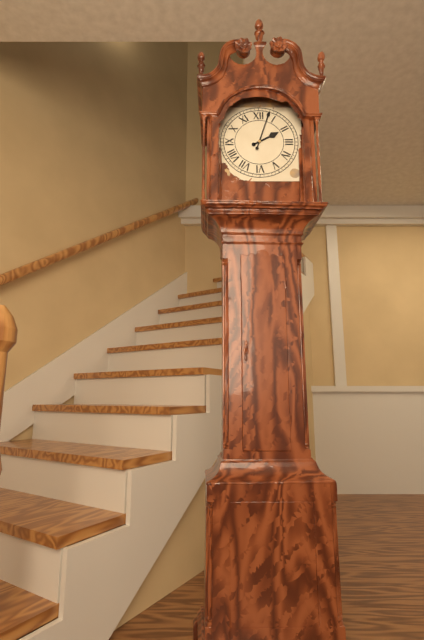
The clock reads **2:03**
